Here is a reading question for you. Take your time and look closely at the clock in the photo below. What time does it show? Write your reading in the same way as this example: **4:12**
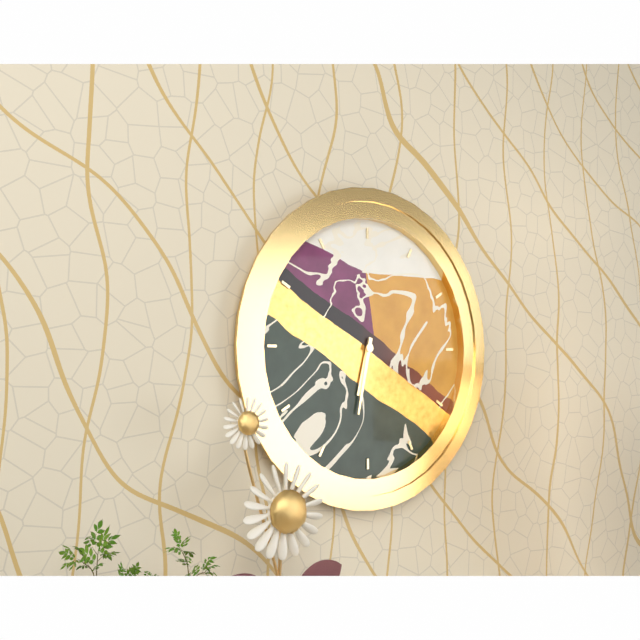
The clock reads **6:32**
